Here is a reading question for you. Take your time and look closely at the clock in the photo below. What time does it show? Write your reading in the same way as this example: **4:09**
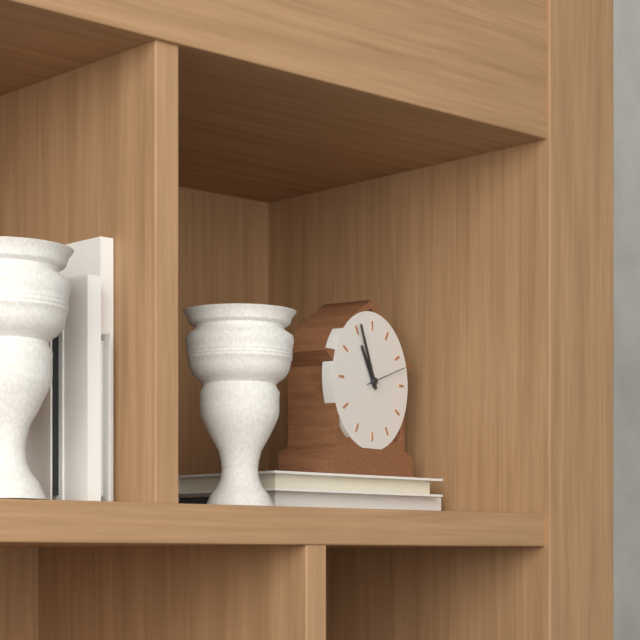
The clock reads **10:56**
